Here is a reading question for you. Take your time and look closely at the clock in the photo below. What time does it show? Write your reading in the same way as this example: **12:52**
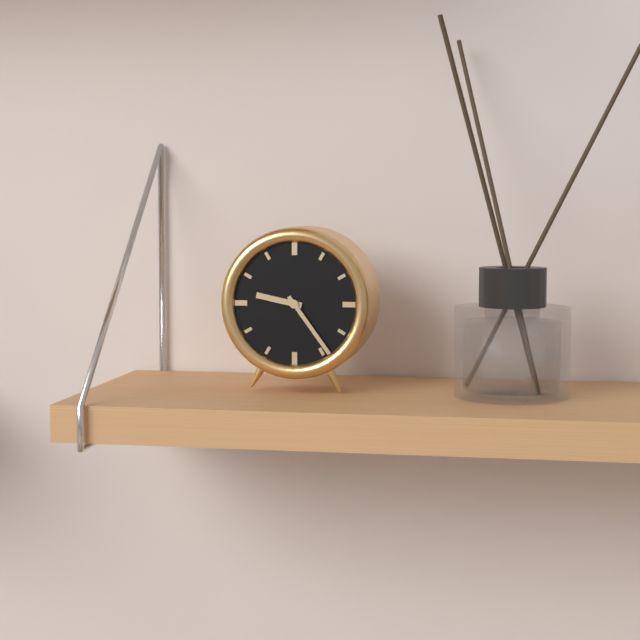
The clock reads **9:24**
